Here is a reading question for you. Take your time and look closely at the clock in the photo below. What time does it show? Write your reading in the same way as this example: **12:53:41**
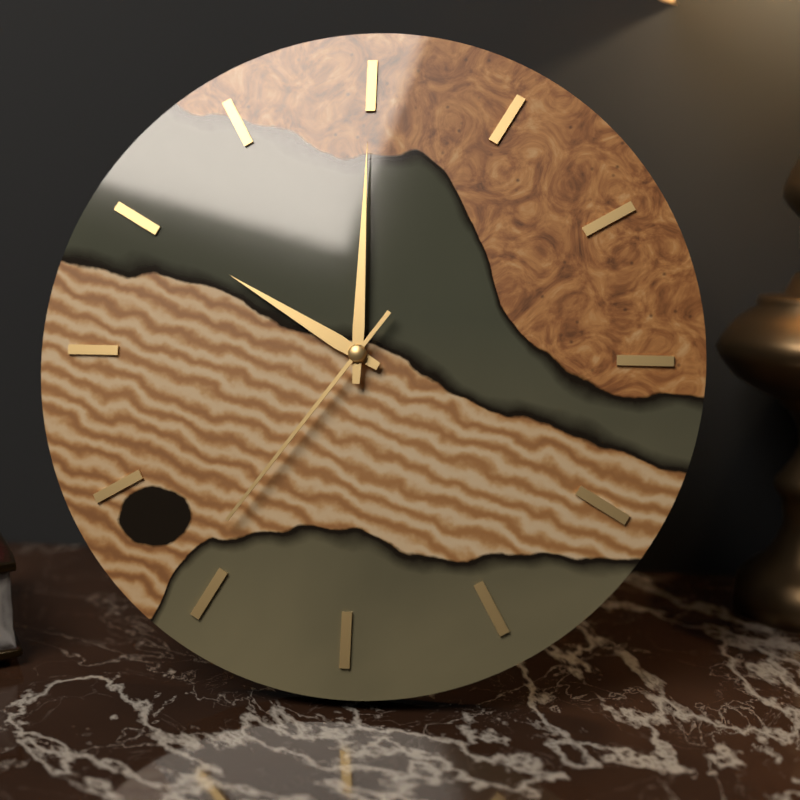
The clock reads **10:00:36**
